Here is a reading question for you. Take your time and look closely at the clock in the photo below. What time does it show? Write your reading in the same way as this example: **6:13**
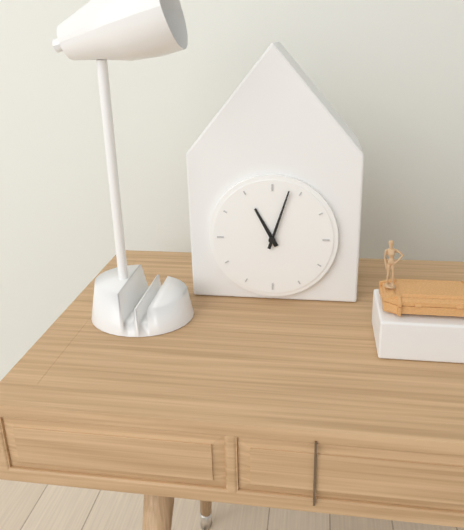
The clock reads **11:03**
